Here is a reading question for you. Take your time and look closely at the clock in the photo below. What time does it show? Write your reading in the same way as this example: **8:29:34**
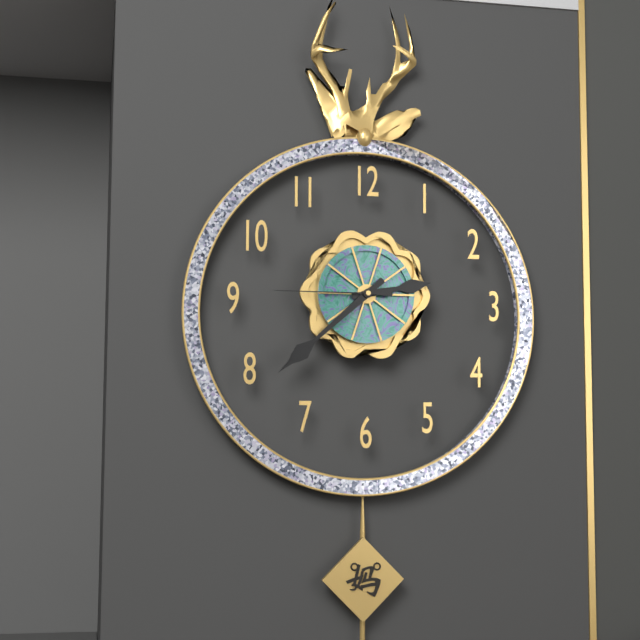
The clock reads **2:38:45**
